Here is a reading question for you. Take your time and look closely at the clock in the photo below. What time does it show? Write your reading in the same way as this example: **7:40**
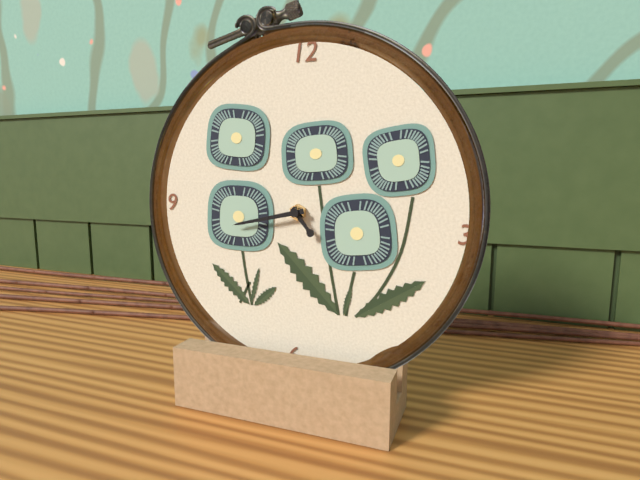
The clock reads **4:43**
